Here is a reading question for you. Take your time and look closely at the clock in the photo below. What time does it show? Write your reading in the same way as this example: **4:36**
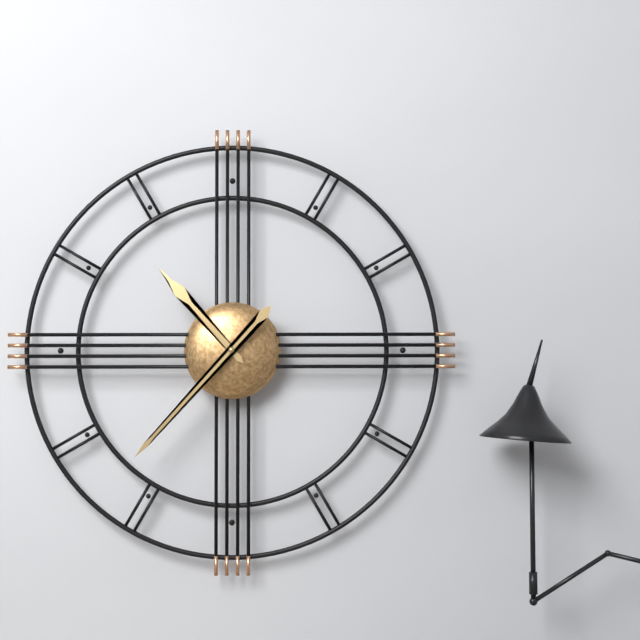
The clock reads **10:37**
